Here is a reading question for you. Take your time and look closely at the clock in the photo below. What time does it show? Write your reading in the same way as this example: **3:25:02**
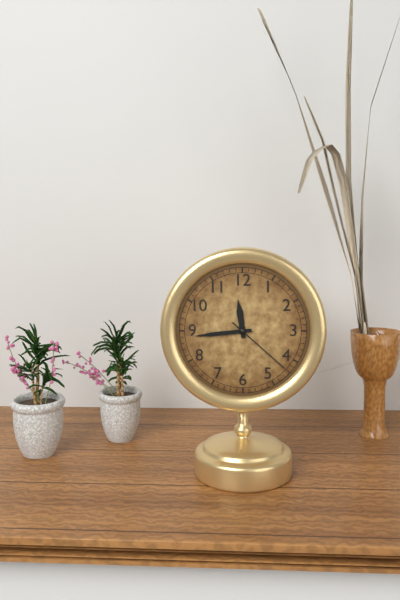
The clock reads **11:44:22**
